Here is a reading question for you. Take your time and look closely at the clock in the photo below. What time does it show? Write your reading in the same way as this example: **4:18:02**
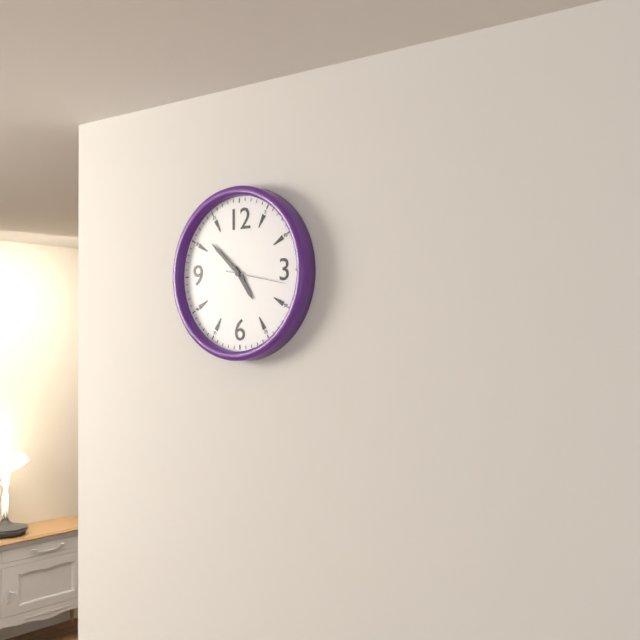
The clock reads **4:52:17**
